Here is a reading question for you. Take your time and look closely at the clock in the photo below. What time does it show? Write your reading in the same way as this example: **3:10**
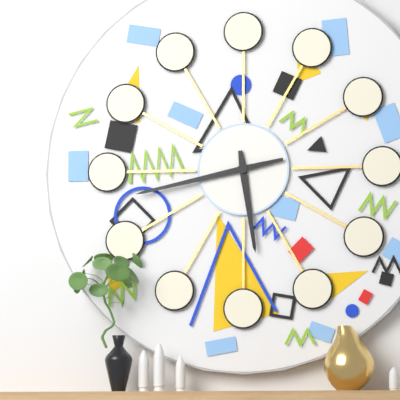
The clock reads **5:43**
